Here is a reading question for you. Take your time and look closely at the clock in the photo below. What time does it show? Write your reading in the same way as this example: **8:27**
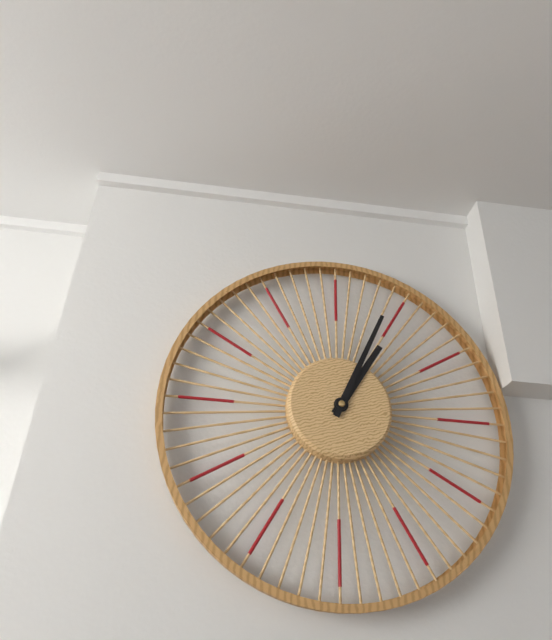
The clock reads **1:04**
